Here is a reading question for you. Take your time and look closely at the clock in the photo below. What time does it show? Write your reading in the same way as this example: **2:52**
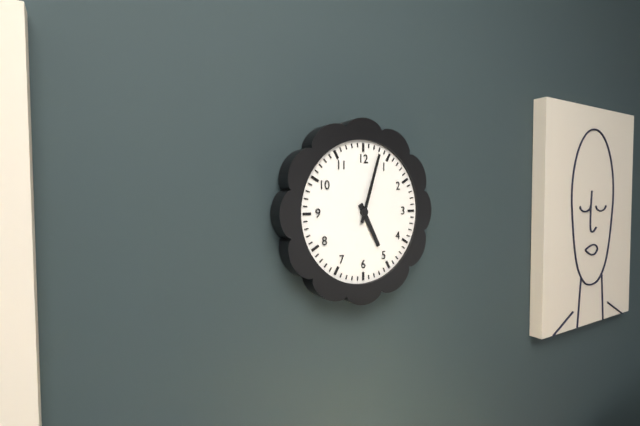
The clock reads **5:03**
